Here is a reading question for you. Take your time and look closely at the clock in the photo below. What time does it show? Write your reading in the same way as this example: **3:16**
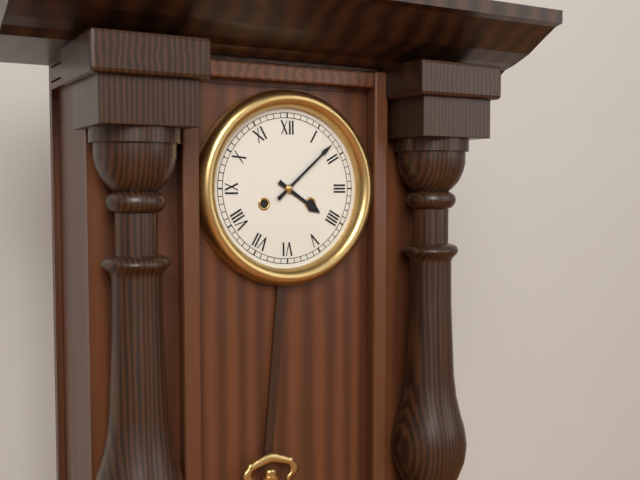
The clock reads **4:08**
